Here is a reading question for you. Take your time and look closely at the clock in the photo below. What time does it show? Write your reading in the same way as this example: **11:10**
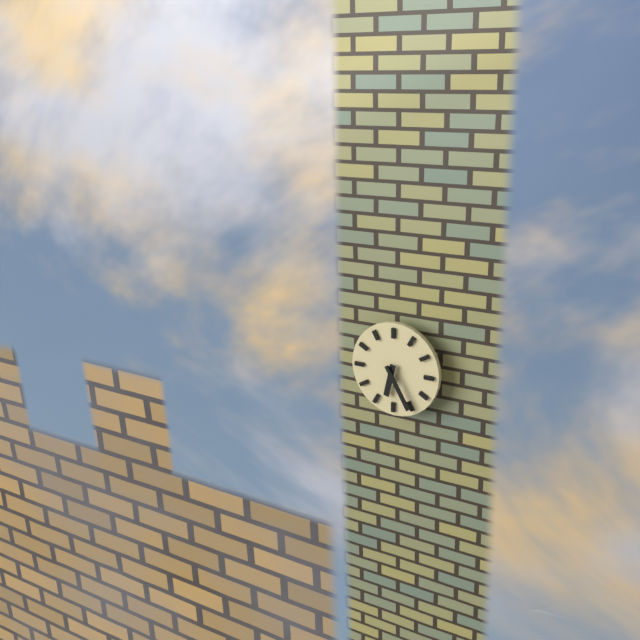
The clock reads **6:25**
